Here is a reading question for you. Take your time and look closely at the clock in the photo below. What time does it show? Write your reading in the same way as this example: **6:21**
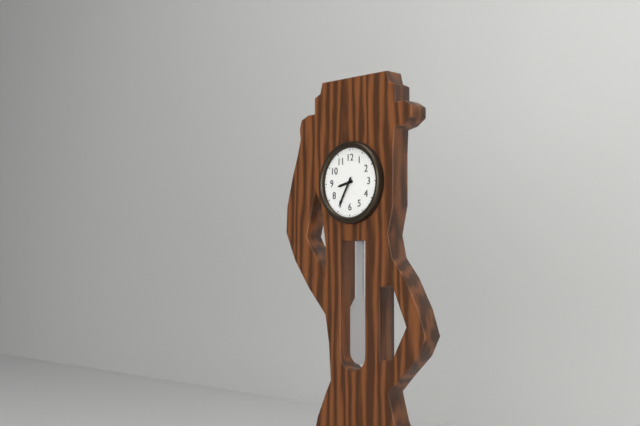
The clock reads **8:35**
